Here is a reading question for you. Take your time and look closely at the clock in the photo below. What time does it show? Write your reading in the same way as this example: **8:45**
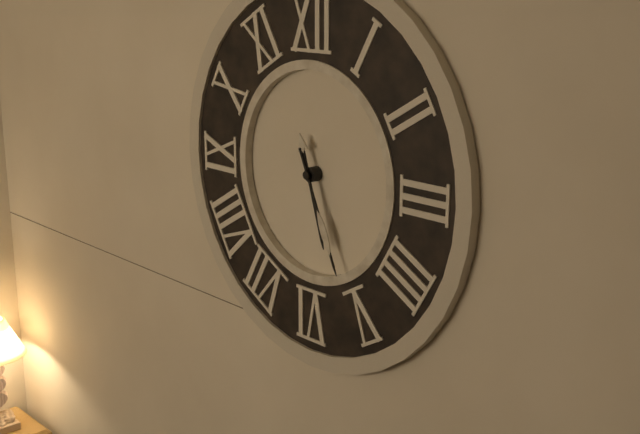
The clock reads **5:26**
